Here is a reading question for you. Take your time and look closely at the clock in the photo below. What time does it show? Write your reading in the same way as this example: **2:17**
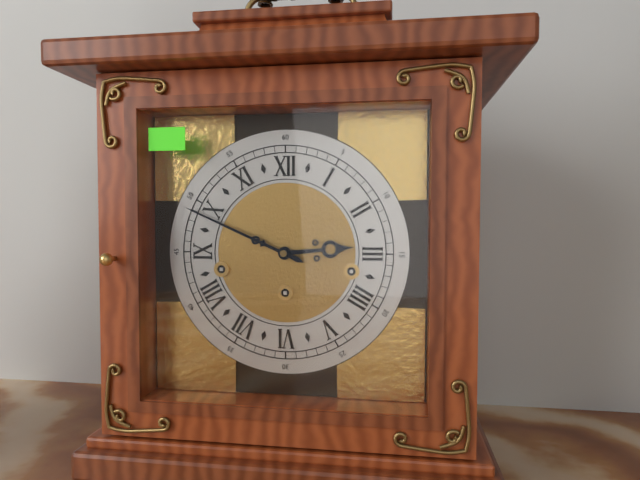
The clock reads **2:49**
